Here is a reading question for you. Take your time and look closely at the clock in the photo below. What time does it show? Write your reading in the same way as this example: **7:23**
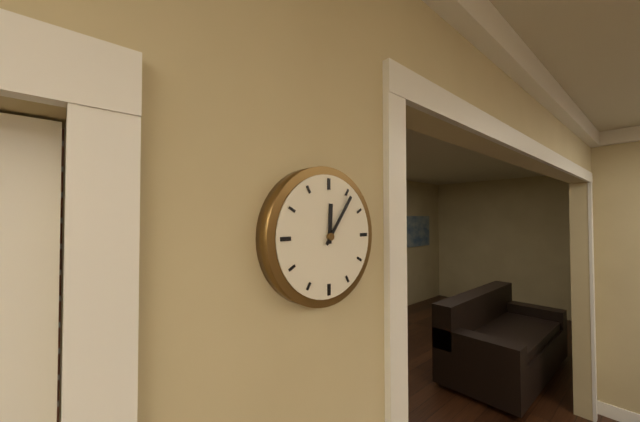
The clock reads **12:06**
